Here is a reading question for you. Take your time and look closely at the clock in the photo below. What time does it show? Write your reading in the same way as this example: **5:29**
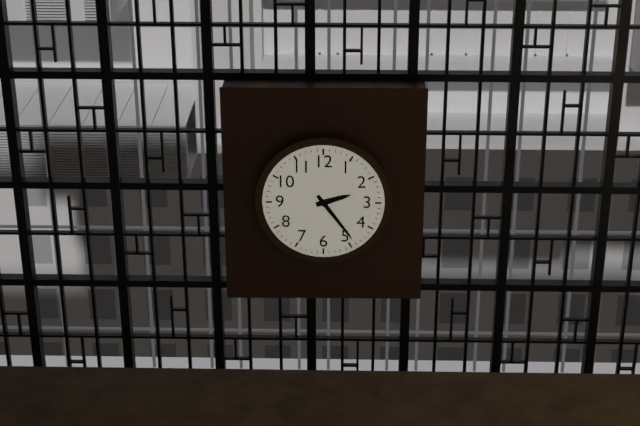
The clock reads **2:24**
